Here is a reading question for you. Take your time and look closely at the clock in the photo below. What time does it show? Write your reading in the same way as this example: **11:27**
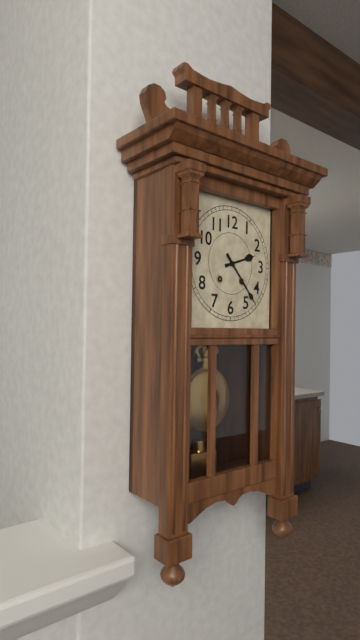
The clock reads **2:23**
